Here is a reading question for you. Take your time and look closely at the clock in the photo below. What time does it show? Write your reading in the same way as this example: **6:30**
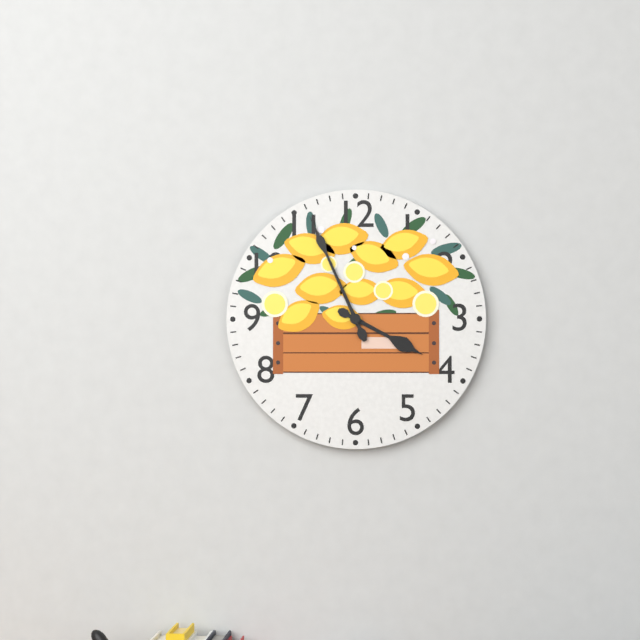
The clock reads **3:56**
